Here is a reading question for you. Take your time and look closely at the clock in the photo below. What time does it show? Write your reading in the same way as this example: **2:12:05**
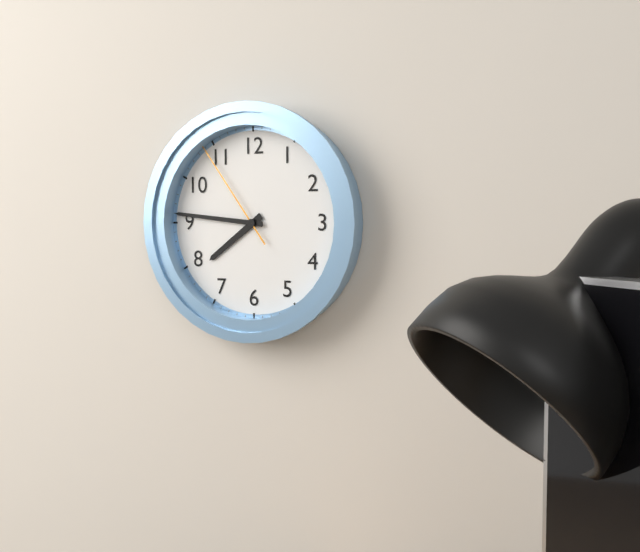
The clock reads **7:46:54**
